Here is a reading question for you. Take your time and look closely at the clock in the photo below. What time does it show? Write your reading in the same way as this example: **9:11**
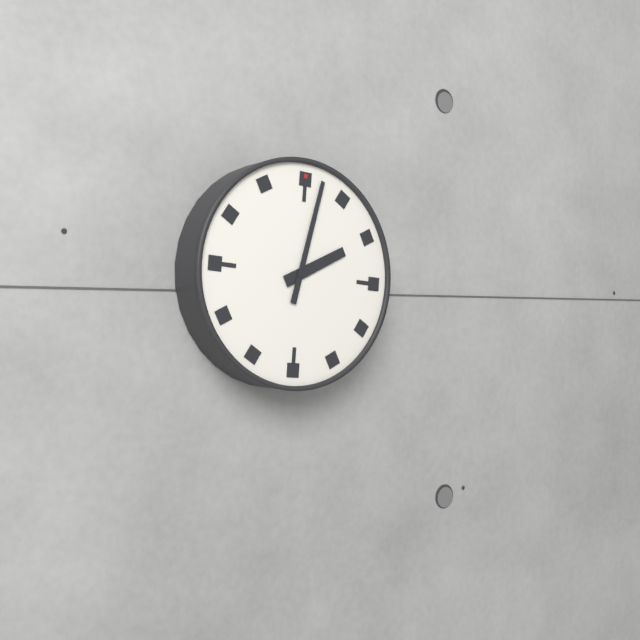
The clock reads **2:02**
